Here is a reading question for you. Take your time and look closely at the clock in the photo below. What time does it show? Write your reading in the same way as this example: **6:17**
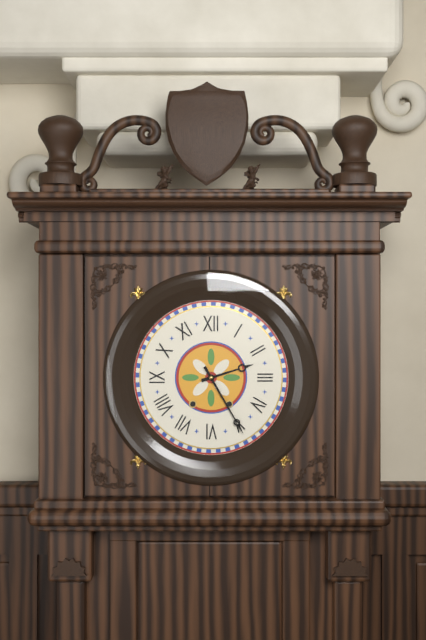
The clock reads **2:25**
